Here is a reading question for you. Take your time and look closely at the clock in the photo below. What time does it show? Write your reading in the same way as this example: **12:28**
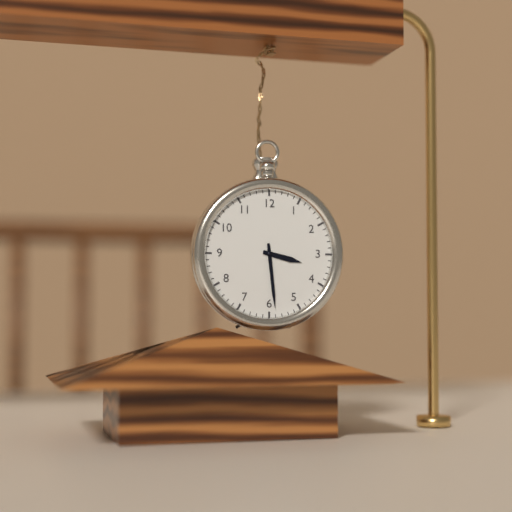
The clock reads **3:29**
